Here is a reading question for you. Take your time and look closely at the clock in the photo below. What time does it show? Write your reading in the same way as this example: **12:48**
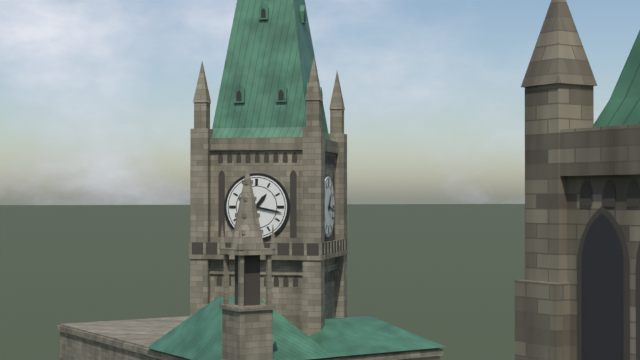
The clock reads **1:17**
